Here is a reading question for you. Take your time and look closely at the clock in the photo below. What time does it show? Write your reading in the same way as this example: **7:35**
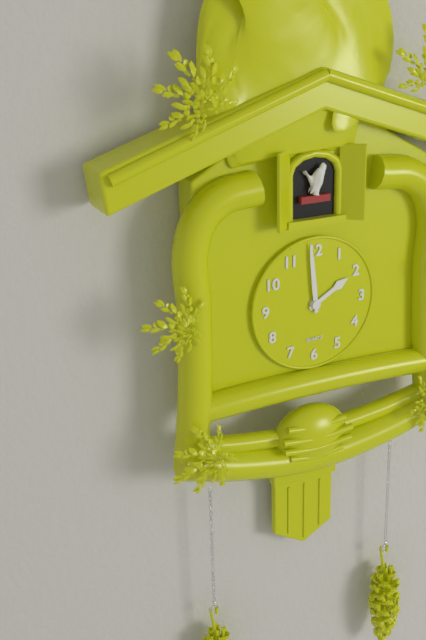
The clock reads **1:59**
